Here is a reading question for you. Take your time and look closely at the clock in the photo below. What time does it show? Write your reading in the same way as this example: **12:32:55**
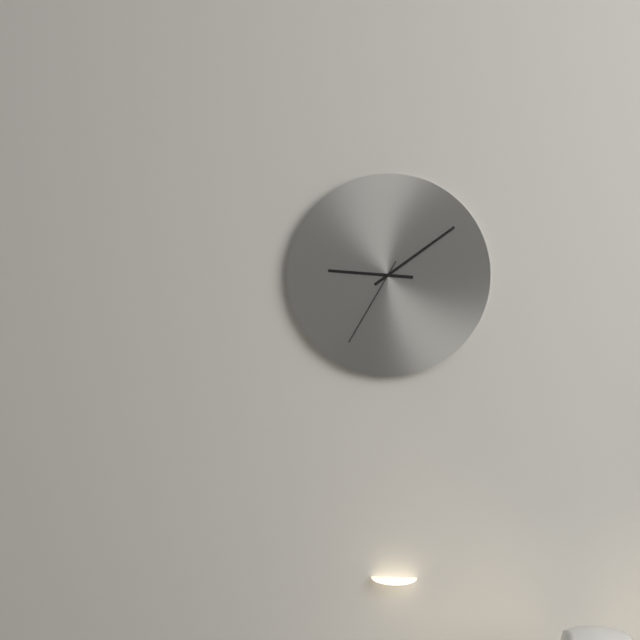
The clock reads **9:09:35**
